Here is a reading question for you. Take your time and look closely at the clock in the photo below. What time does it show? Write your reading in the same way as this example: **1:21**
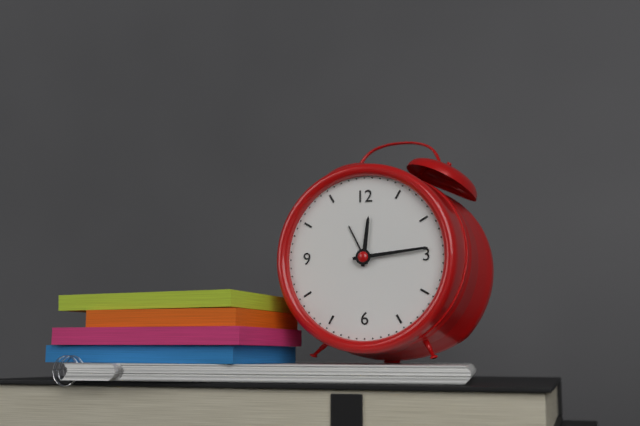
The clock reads **12:14**
